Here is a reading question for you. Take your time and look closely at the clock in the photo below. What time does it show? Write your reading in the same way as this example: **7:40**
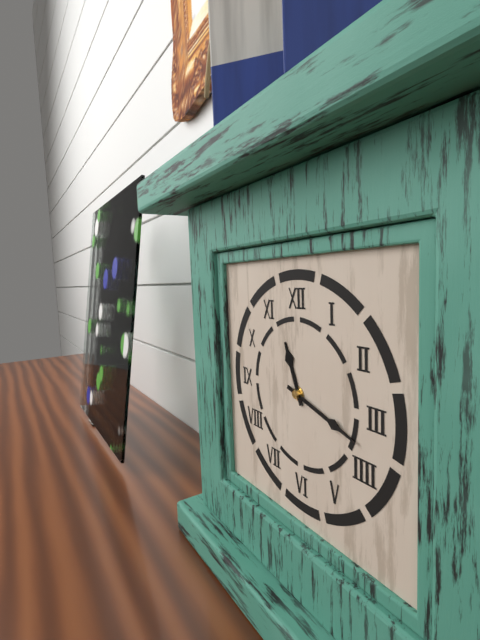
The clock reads **11:18**
